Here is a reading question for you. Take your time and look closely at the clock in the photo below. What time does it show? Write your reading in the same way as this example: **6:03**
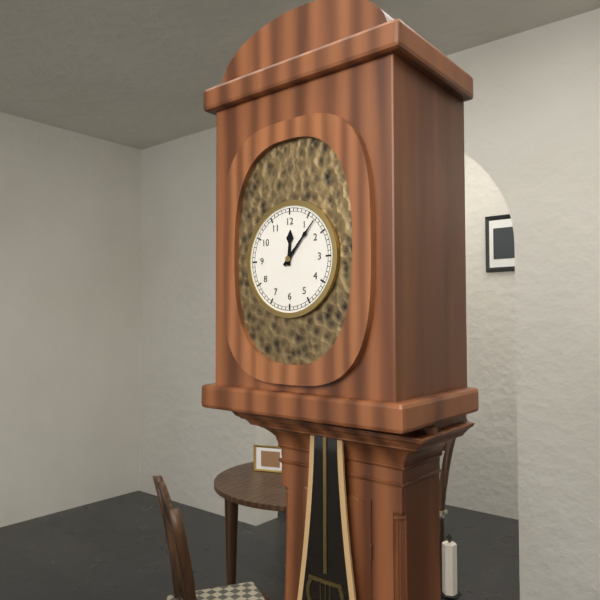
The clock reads **12:07**
